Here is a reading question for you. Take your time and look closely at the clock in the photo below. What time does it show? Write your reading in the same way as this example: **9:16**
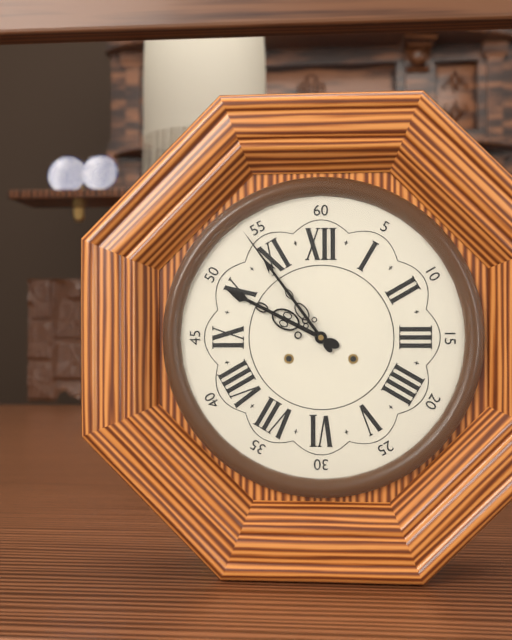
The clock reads **9:54**
